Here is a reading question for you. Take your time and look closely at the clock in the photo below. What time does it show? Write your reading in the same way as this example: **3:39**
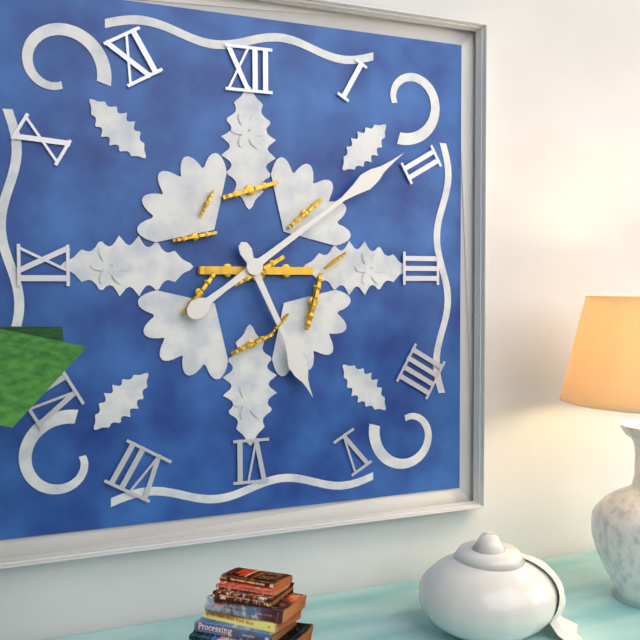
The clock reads **5:09**
